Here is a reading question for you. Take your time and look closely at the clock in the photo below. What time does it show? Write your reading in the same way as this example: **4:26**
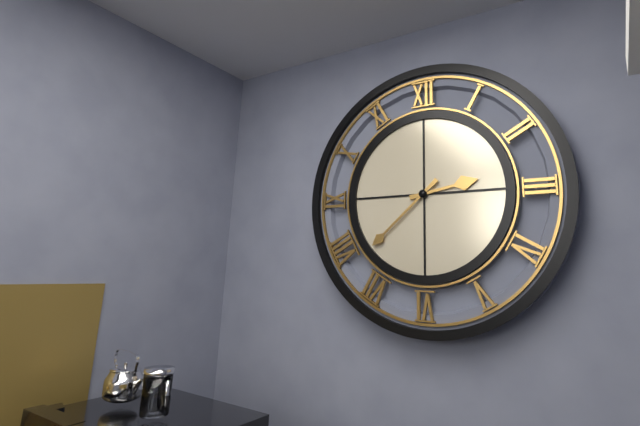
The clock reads **2:38**
